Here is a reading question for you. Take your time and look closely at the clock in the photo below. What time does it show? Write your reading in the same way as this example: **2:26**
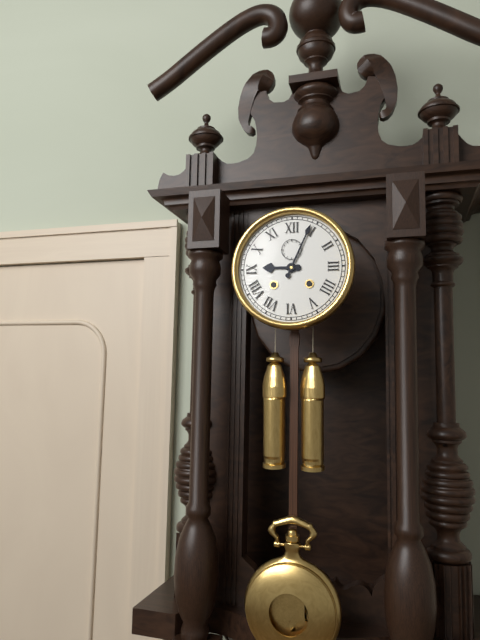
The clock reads **9:04**
